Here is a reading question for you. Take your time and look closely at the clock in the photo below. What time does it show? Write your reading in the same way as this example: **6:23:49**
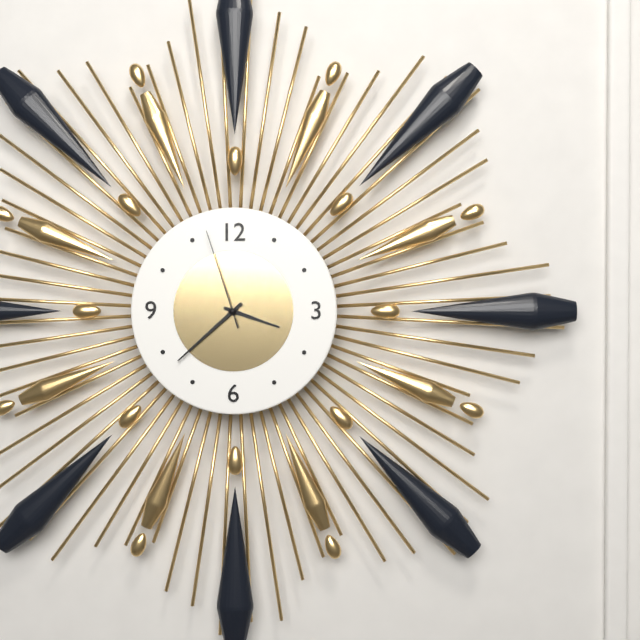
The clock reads **3:38:57**
